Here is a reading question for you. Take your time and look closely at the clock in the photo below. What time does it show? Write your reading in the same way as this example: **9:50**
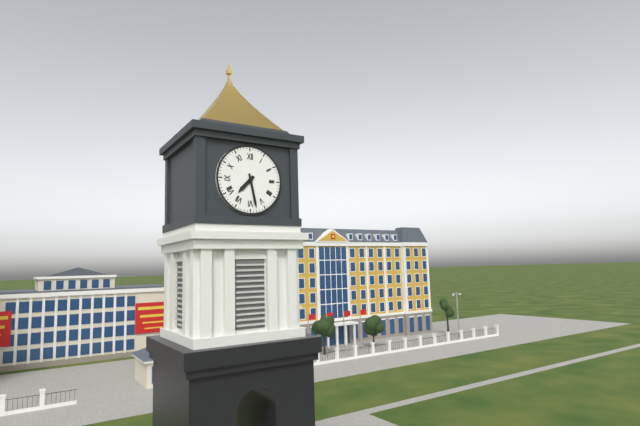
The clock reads **7:28**
